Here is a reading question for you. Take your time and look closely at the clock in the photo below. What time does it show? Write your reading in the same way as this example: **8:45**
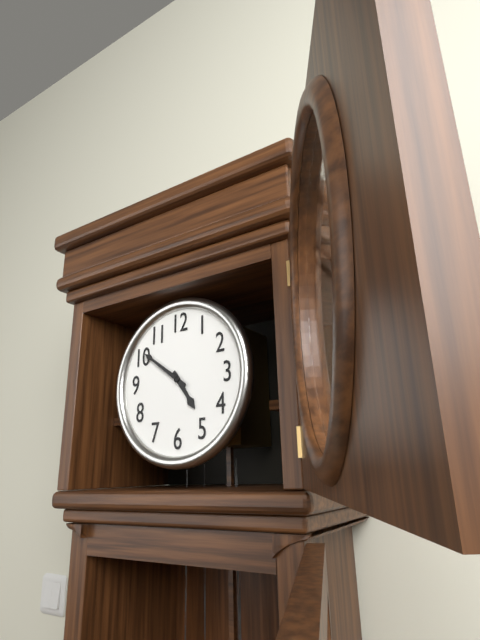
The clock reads **4:51**
